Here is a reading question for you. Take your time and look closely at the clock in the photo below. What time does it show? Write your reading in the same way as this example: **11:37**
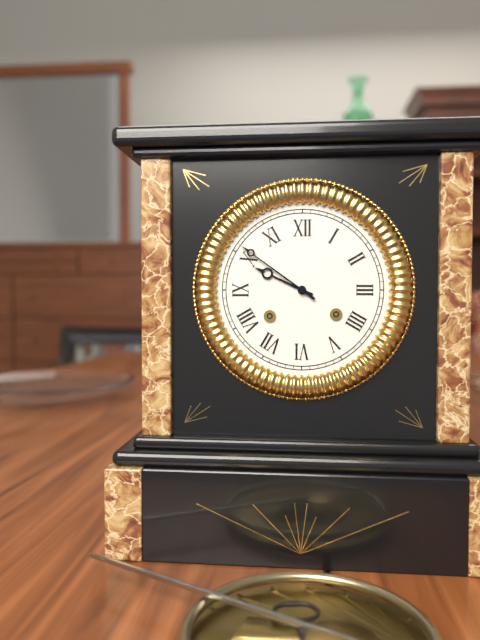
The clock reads **9:51**
